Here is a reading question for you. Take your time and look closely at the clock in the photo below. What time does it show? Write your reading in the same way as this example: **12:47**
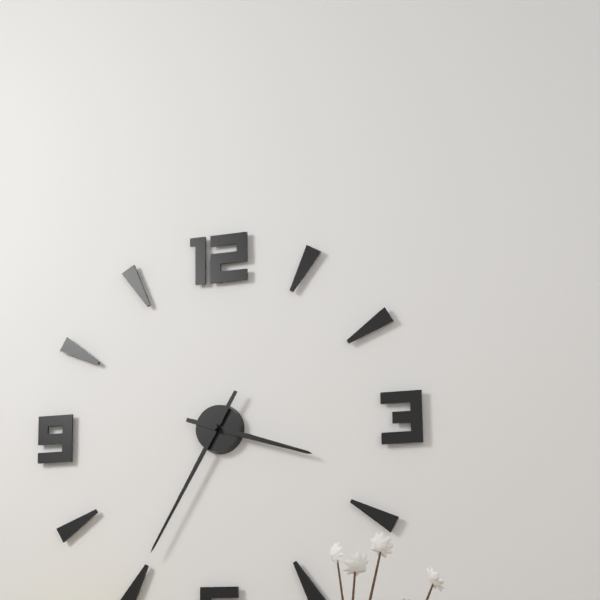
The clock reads **3:35**
